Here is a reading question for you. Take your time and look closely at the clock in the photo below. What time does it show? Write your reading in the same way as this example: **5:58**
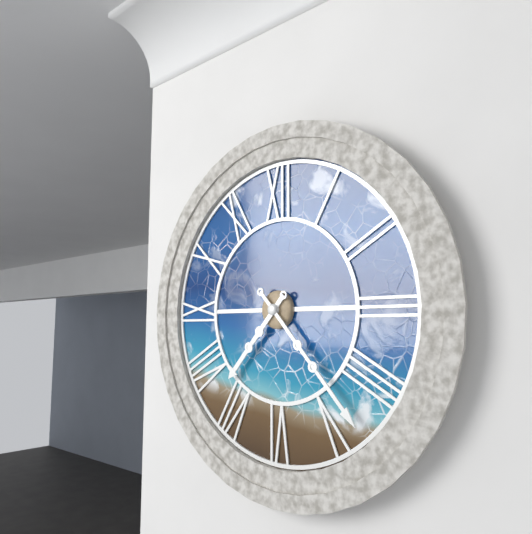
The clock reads **7:23**
